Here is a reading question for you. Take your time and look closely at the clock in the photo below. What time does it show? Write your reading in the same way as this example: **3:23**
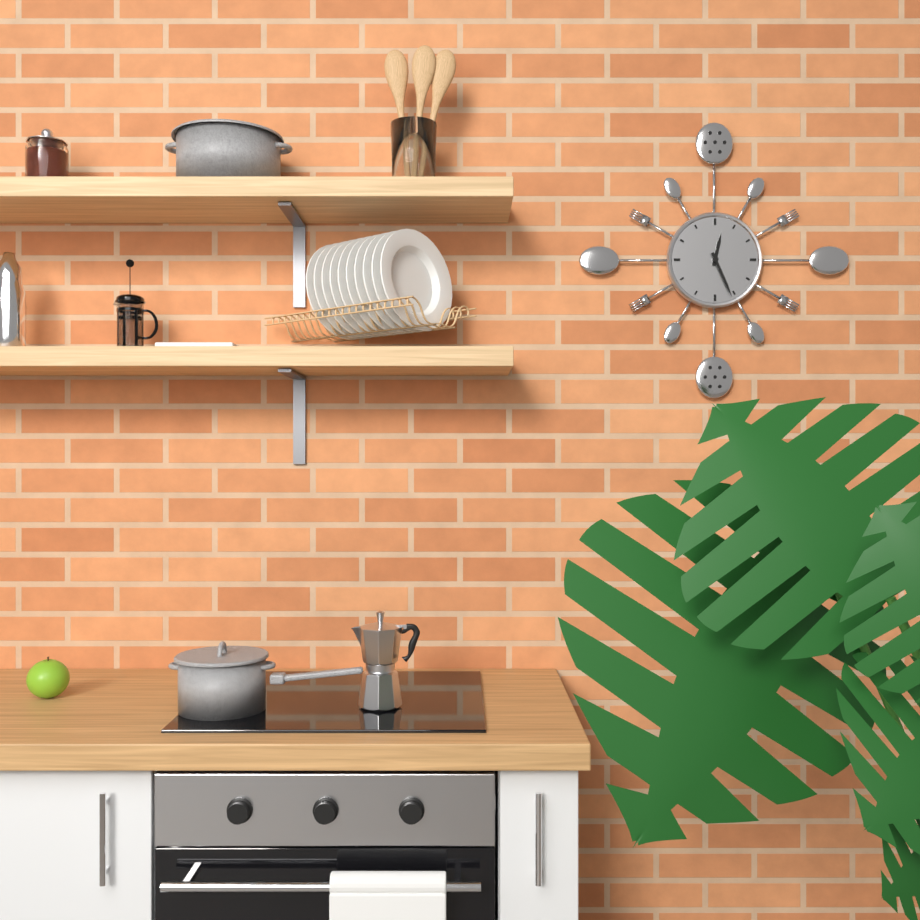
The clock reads **12:26**
